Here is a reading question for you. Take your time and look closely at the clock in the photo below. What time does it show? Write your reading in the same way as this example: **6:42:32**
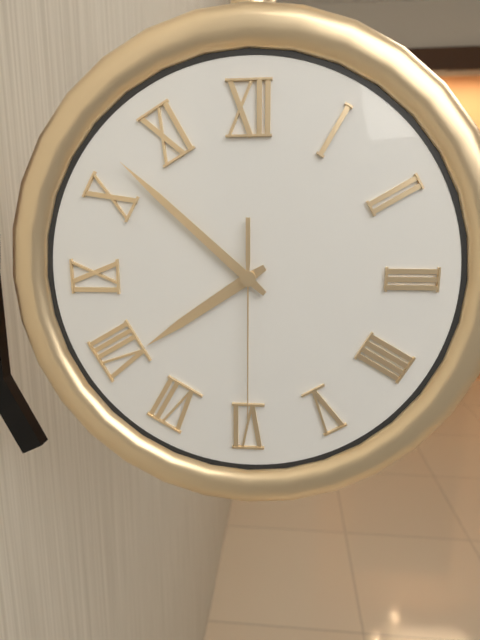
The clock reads **7:52:30**
